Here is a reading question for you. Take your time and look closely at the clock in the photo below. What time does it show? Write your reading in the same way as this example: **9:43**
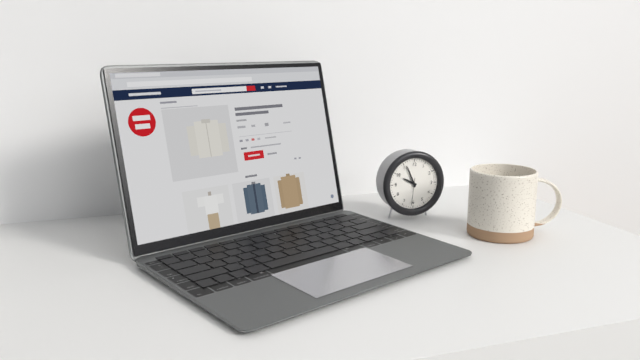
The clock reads **9:56**
